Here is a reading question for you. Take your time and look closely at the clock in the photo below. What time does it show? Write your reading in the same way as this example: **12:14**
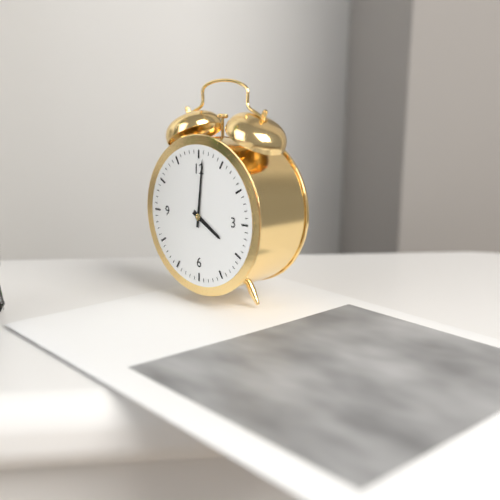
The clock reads **4:01**
